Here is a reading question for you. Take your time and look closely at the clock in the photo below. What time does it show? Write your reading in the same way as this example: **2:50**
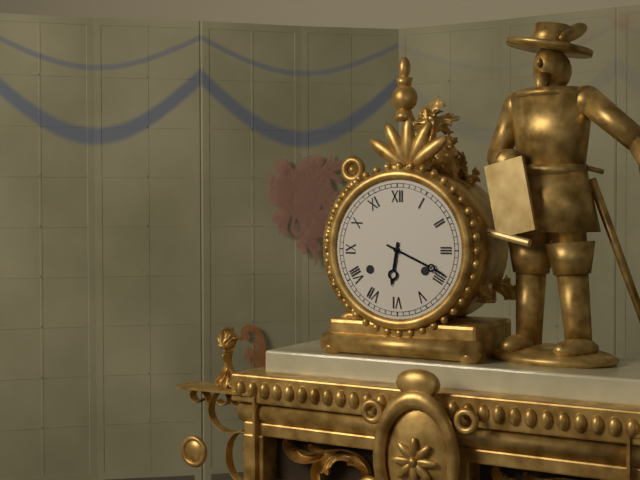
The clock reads **6:19**
